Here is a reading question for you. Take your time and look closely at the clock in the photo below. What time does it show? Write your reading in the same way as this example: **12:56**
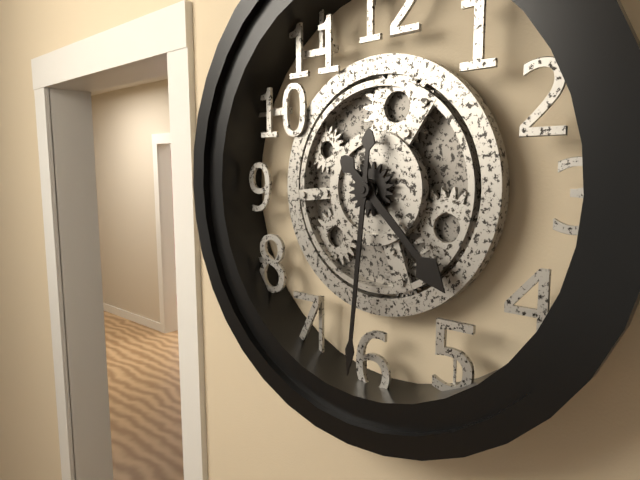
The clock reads **4:31**
